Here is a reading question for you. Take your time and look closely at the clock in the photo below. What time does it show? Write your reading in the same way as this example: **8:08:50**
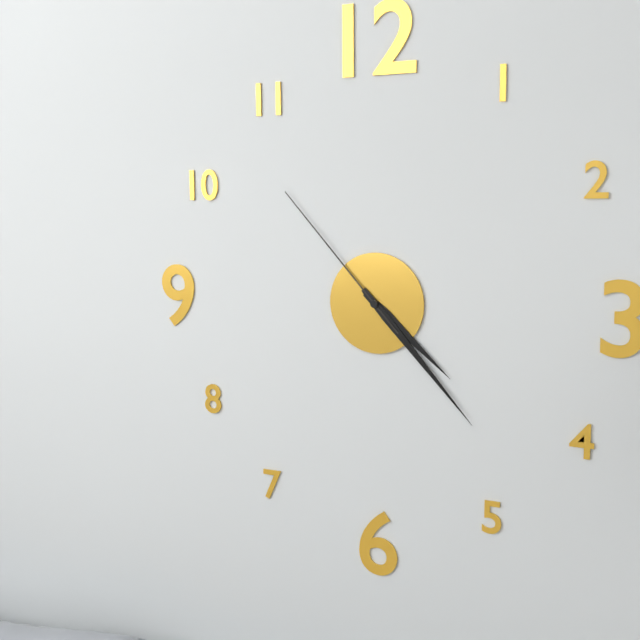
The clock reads **4:23:53**
